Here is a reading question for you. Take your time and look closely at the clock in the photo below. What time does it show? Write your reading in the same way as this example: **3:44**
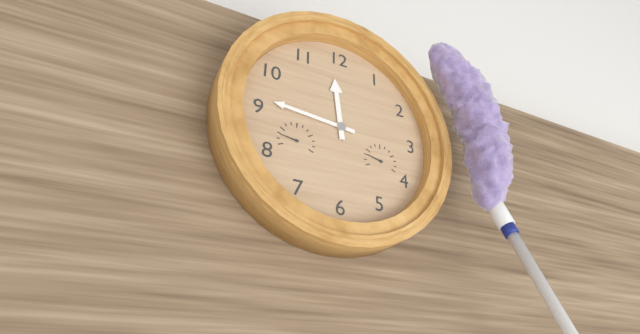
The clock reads **11:46**
